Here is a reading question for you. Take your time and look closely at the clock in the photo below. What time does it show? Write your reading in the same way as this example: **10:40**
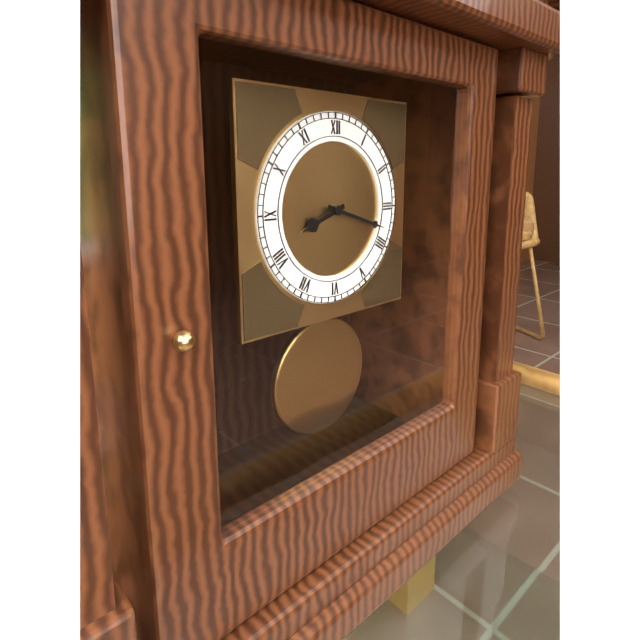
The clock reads **8:18**
